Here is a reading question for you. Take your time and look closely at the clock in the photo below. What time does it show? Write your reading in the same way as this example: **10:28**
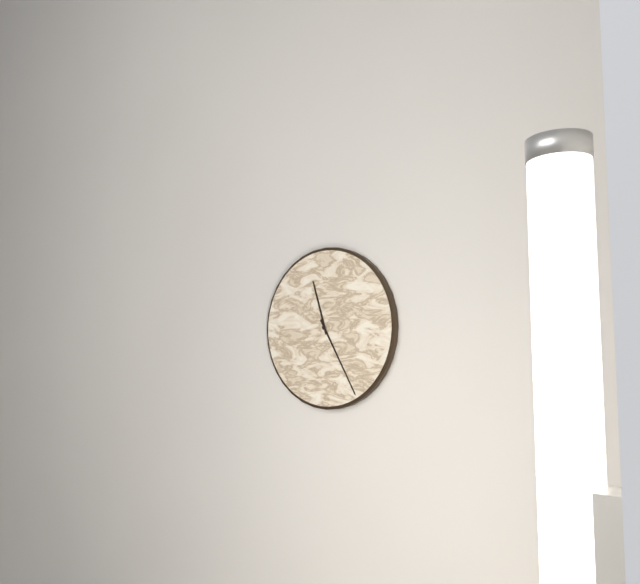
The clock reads **11:25**
